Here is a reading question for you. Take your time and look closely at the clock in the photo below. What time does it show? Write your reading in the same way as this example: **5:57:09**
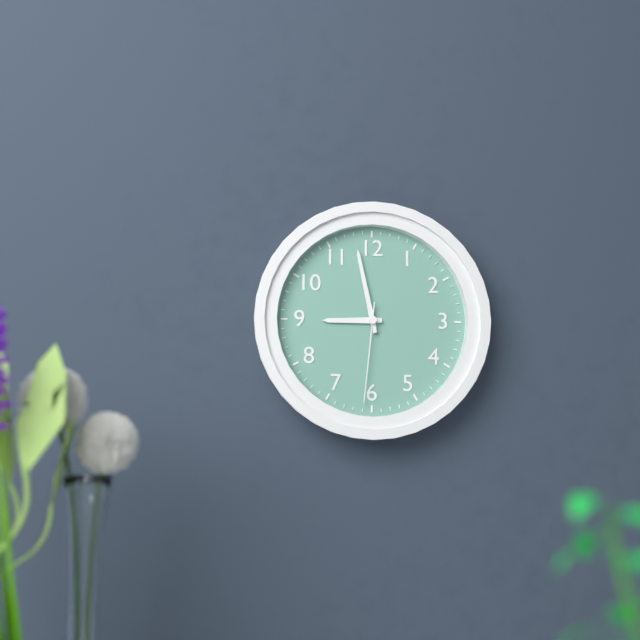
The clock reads **8:58:31**
